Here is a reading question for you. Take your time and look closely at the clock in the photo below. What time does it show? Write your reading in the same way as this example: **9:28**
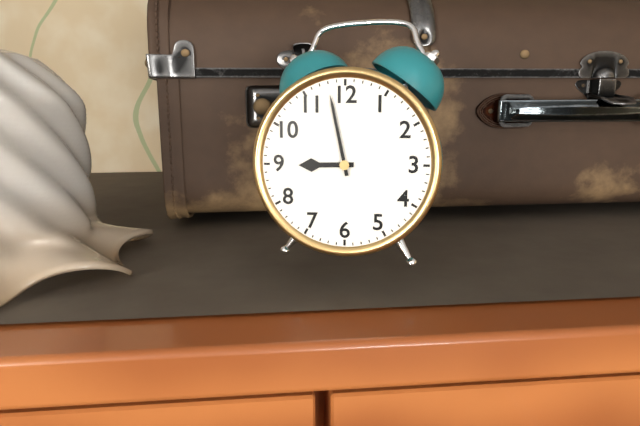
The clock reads **8:58**
